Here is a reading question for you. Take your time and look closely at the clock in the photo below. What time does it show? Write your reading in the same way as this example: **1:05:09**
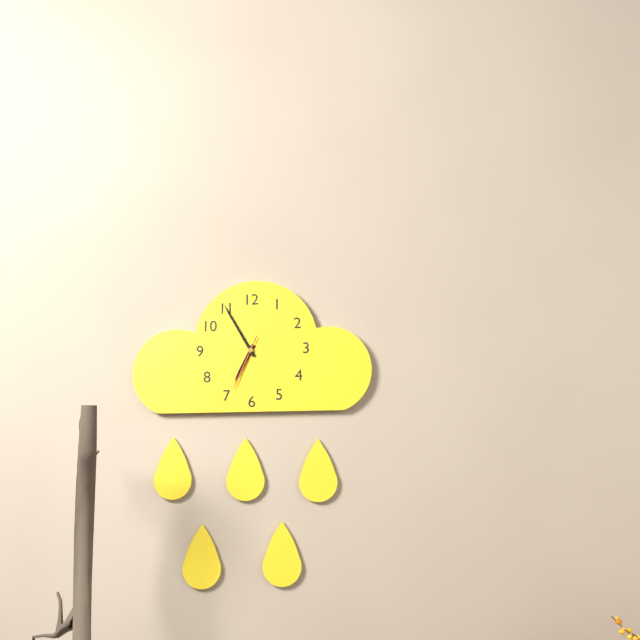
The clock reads **6:55:34**
